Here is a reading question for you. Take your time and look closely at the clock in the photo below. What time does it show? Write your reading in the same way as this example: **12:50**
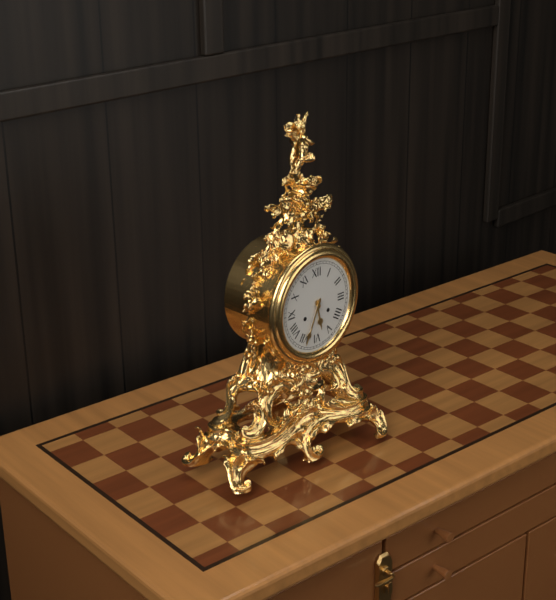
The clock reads **5:34**
